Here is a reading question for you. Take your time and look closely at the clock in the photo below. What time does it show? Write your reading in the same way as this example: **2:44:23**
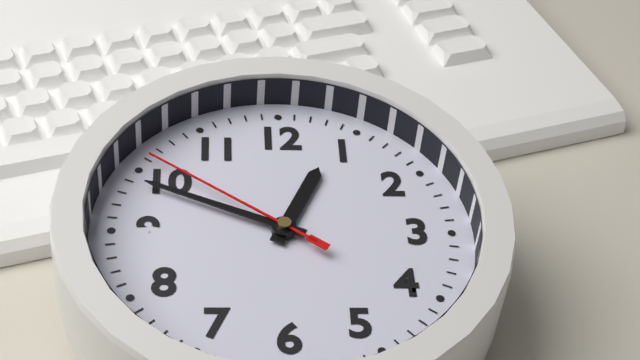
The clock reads **12:49:51**
